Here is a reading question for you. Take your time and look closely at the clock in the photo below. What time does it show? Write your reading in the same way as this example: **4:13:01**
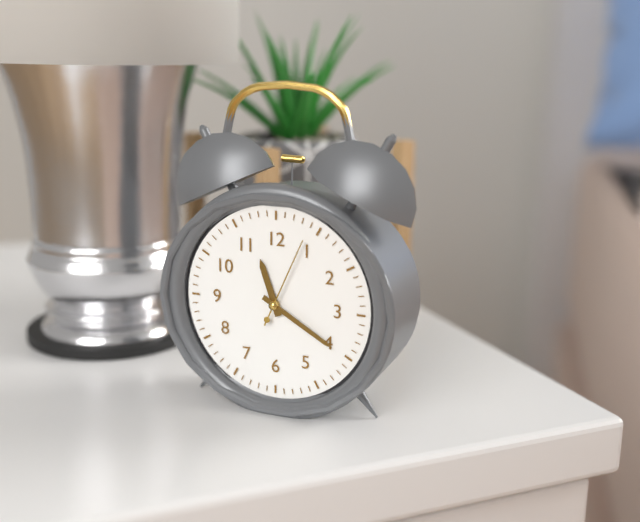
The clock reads **11:20:04**
